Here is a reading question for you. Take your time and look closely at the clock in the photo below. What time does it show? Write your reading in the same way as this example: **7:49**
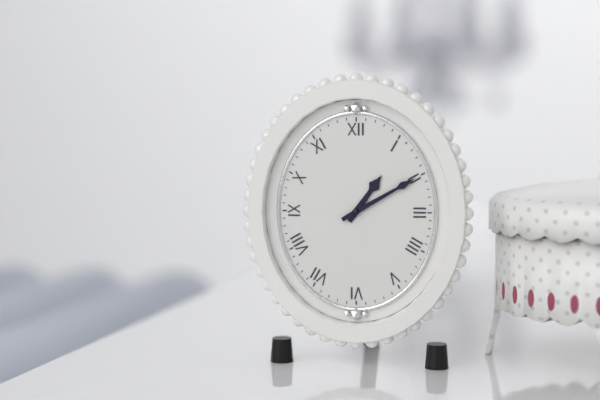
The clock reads **1:10**
